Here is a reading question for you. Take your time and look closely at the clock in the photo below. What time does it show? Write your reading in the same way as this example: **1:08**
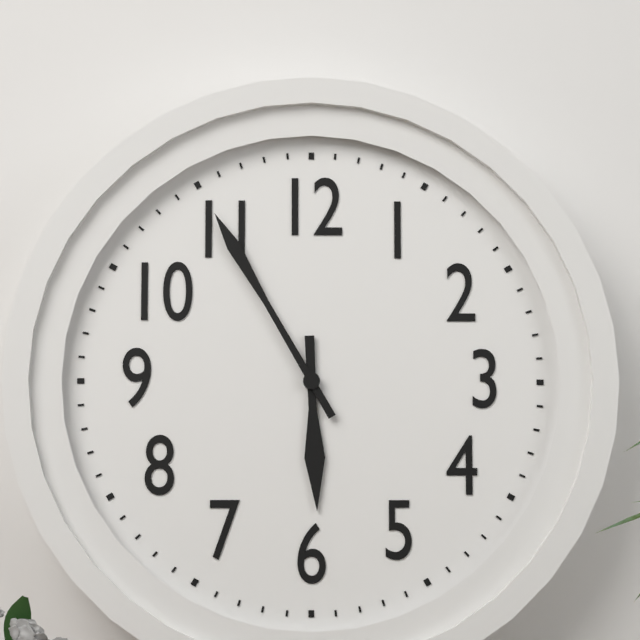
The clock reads **5:55**
